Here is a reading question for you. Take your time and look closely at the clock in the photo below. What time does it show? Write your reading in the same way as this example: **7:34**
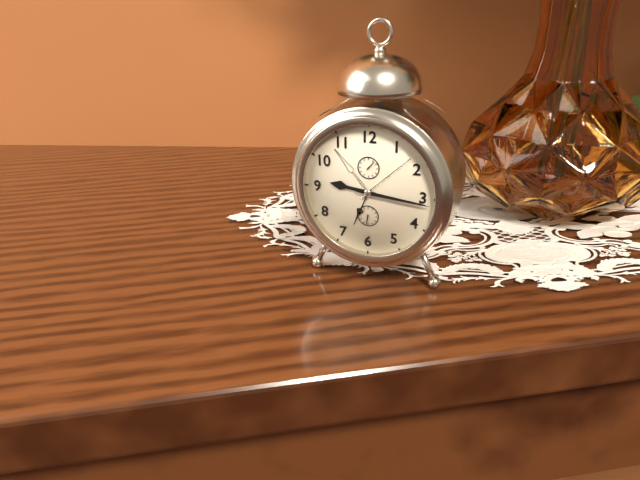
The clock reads **9:16**
